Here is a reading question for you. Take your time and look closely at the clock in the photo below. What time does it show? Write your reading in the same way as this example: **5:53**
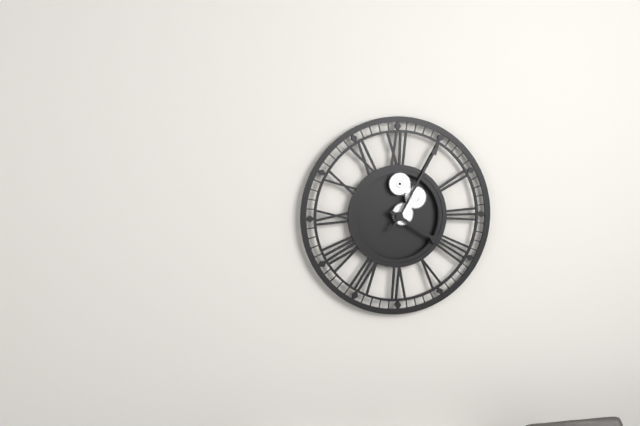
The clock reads **4:05**
